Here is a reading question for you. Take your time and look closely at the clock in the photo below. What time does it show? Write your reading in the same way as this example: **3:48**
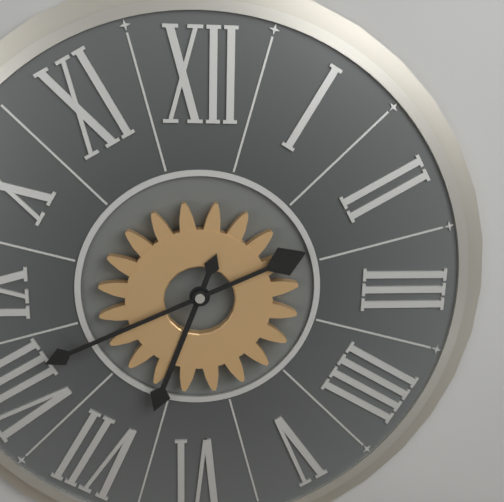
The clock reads **6:41**
